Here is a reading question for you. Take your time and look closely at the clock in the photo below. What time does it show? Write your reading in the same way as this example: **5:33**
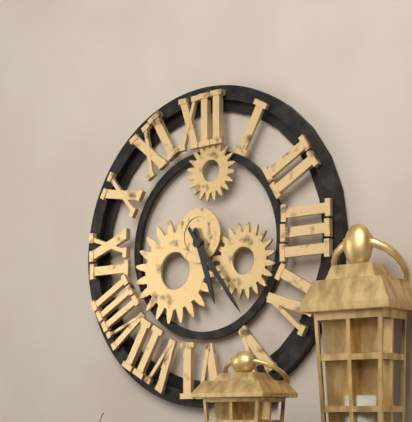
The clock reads **5:24**
